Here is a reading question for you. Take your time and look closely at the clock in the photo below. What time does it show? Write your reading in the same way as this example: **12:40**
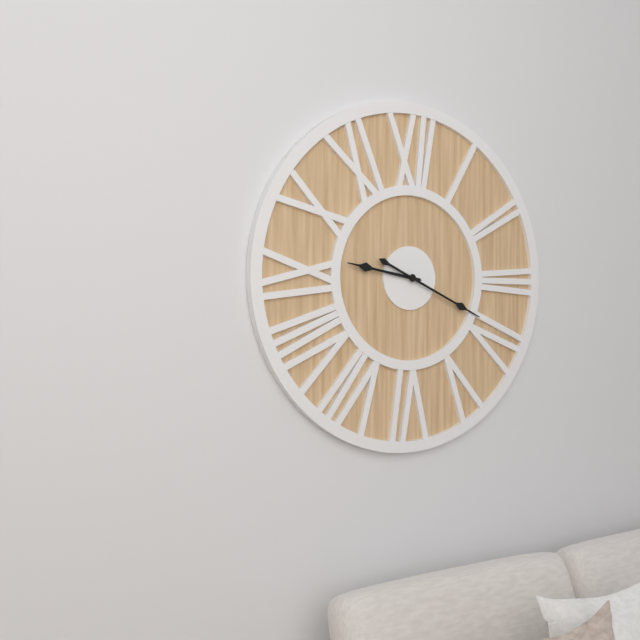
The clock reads **9:19**
